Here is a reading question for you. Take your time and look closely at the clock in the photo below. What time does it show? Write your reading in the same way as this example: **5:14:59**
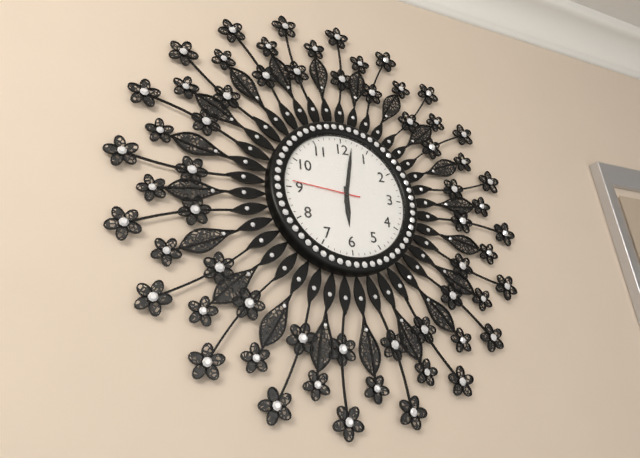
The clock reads **6:02:46**
